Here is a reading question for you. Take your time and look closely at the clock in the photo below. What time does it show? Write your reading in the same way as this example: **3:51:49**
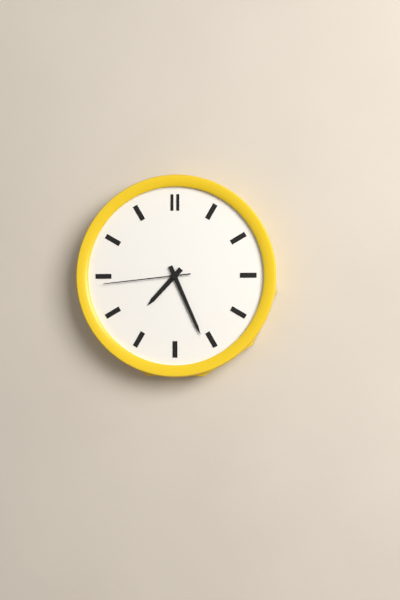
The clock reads **7:26:44**
